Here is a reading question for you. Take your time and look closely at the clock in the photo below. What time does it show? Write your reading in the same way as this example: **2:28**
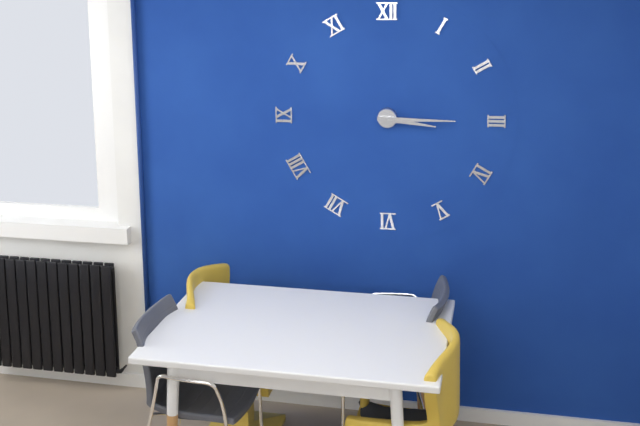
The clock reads **3:15**
